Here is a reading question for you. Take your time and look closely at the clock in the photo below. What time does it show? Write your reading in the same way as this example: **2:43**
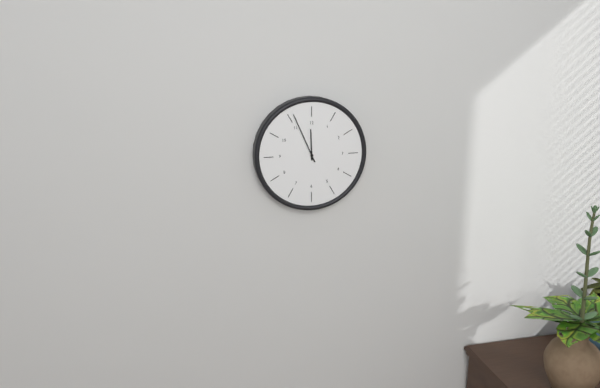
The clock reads **11:56**
